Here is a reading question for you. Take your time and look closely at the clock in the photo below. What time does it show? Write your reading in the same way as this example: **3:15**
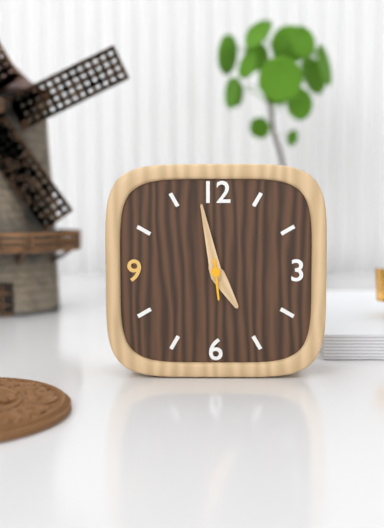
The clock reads **4:58**
